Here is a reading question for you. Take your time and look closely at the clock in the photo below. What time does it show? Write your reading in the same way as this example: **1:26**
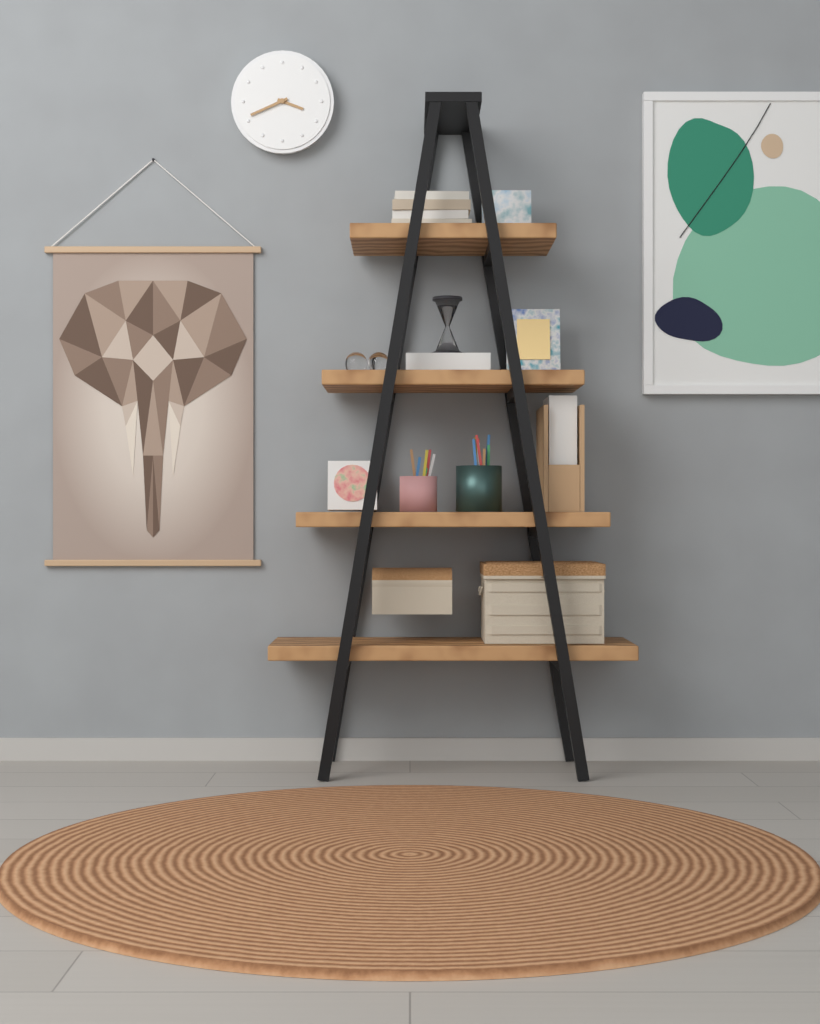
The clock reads **3:41**
